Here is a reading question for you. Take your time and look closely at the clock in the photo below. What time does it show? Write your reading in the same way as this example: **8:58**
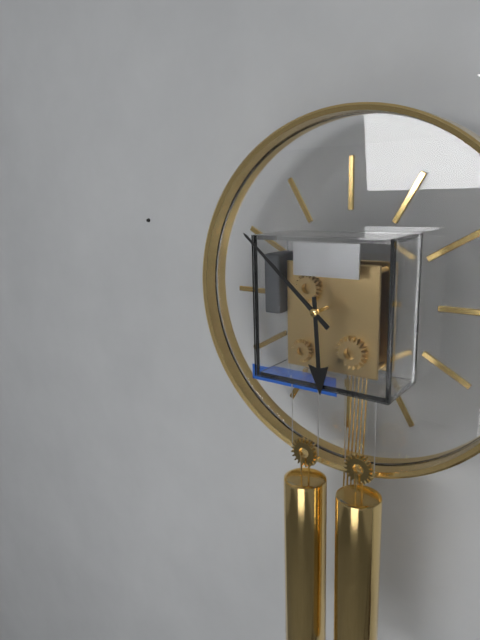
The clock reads **5:52**
